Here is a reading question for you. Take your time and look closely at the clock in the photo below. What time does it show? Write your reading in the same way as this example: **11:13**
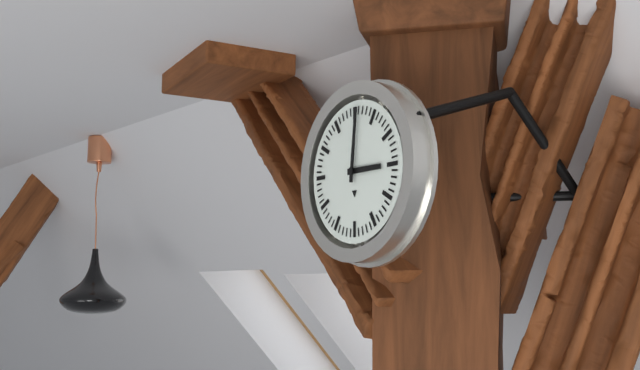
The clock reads **3:01**
